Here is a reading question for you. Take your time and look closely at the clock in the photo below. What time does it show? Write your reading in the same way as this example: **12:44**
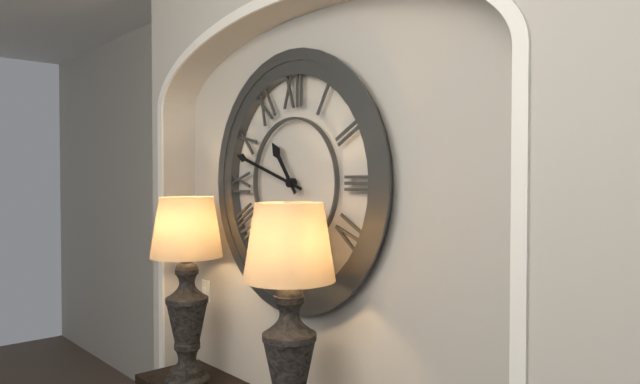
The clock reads **10:48**
